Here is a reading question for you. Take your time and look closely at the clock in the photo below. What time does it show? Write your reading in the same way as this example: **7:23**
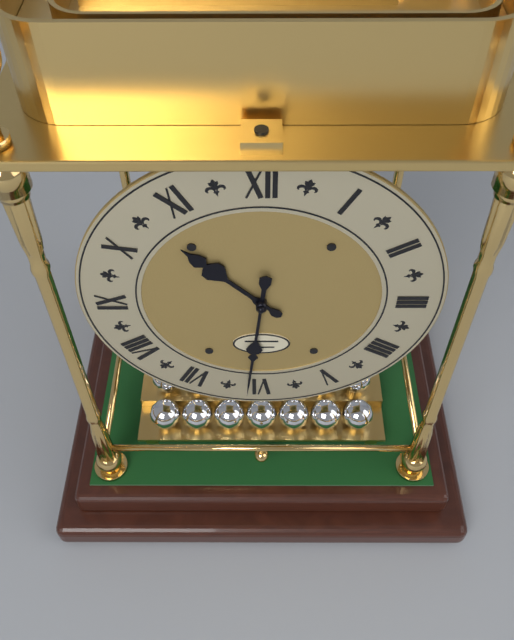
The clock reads **10:31**
